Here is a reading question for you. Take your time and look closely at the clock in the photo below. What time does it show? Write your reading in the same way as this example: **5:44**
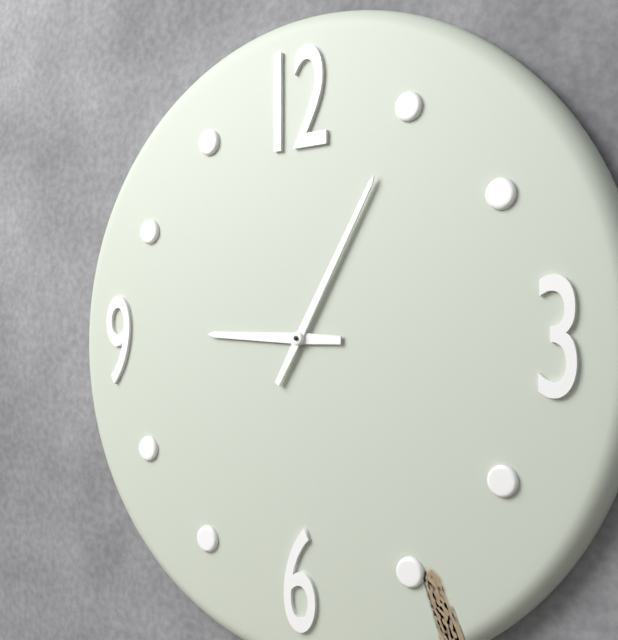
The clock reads **9:05**
